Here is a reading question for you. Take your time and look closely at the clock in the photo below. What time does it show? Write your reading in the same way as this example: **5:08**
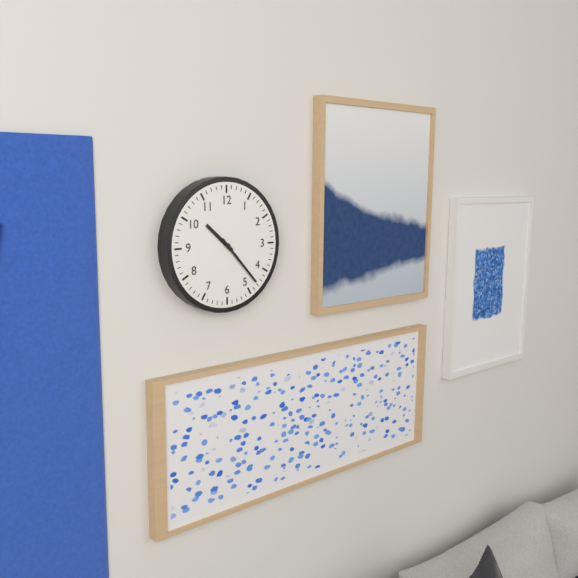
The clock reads **10:23**
